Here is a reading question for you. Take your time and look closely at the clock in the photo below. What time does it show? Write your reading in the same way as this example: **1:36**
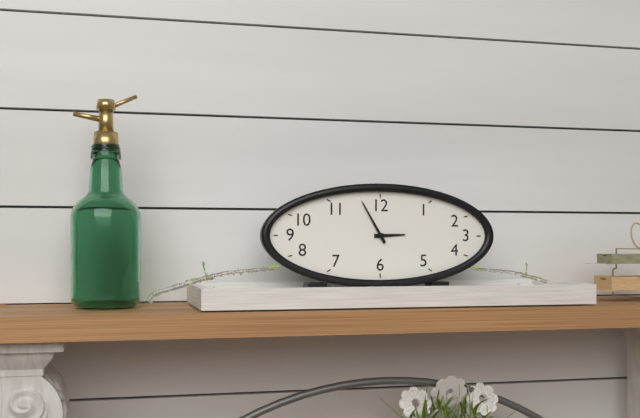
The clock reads **2:55**
